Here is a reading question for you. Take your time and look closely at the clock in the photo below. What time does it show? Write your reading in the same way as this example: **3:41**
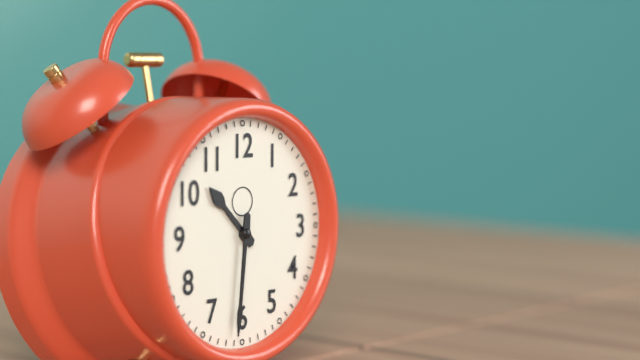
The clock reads **10:31**
